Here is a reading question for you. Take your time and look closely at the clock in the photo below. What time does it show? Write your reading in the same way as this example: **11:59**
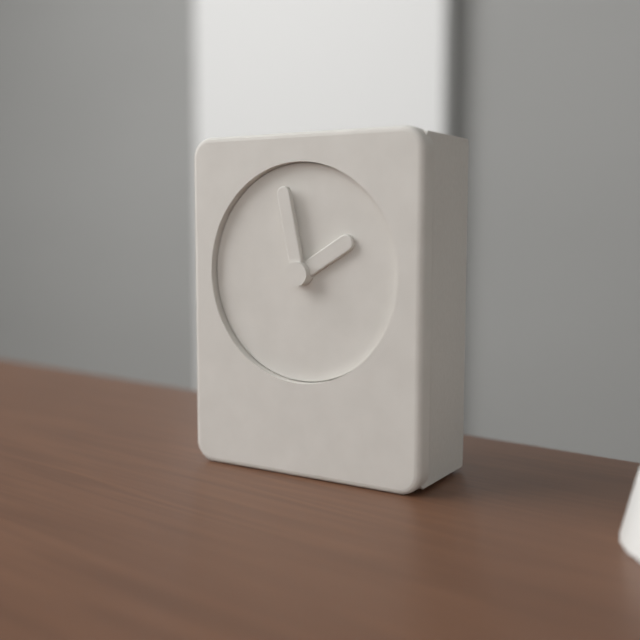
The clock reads **1:58**
